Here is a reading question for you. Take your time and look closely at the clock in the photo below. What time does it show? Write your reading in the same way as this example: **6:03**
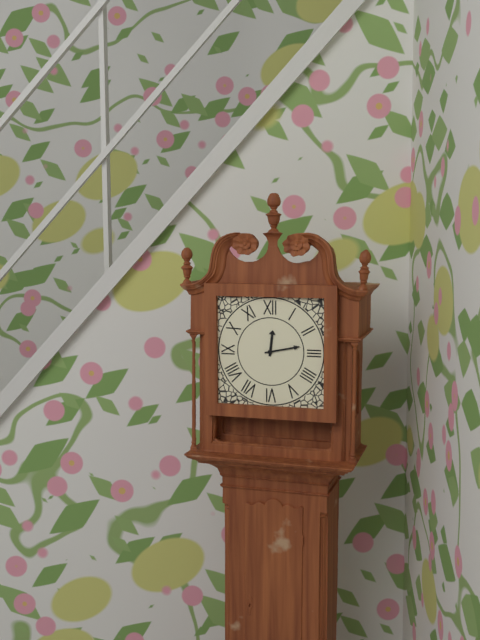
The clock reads **12:13**
